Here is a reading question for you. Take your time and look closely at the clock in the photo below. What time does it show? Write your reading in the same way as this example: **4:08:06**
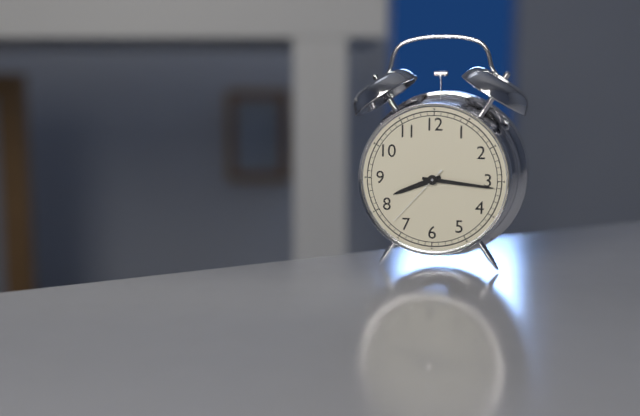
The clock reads **8:16:37**
